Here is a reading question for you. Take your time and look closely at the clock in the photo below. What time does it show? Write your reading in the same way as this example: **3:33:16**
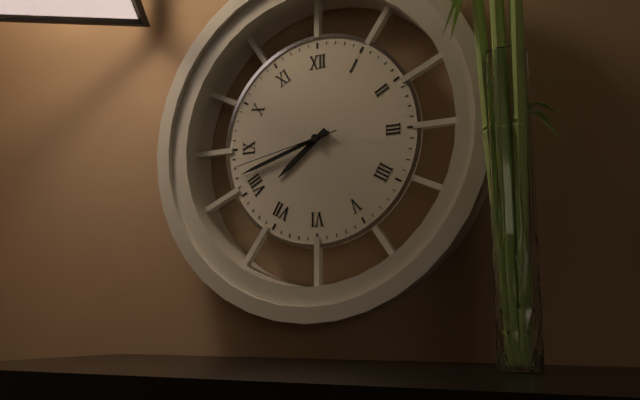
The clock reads **7:42:43**
